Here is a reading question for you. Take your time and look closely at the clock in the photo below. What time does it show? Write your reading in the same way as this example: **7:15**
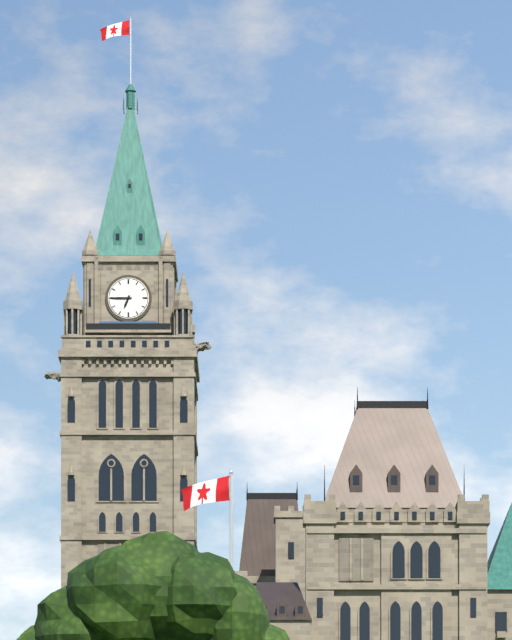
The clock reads **6:45**
